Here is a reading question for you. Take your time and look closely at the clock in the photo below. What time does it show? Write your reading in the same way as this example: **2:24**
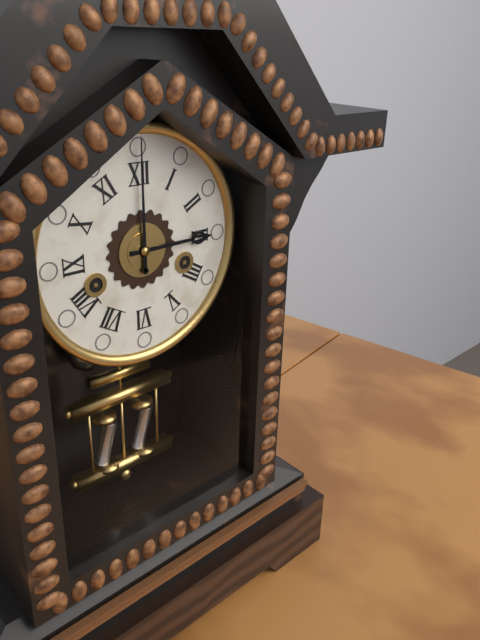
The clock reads **3:00**
